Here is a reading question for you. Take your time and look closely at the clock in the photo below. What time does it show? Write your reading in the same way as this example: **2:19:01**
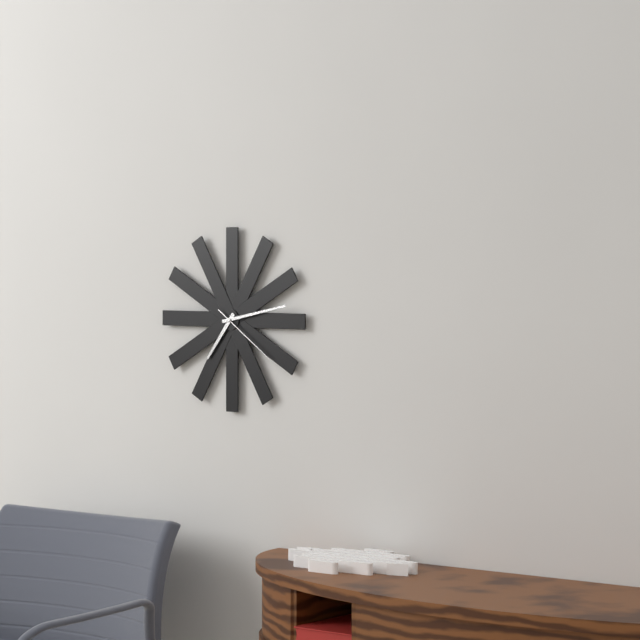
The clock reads **7:13:21**
